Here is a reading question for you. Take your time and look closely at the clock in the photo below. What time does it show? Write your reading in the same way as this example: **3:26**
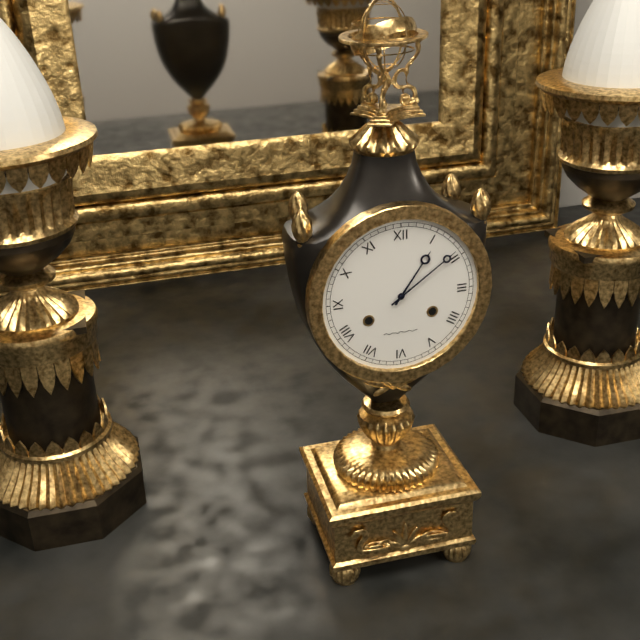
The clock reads **1:09**
